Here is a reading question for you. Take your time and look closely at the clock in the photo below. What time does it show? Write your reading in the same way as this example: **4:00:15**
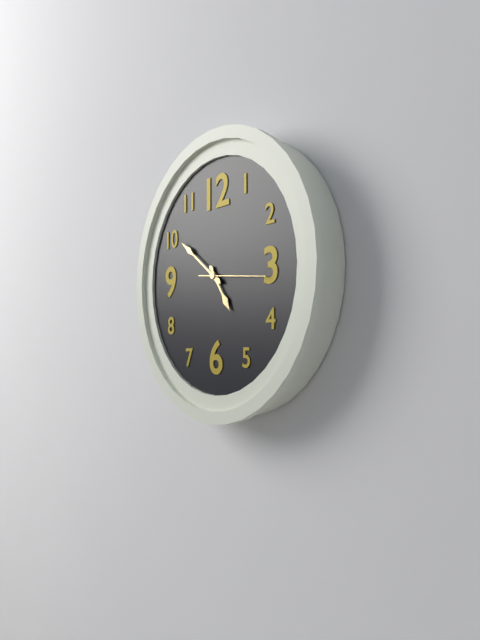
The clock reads **4:51:16**
